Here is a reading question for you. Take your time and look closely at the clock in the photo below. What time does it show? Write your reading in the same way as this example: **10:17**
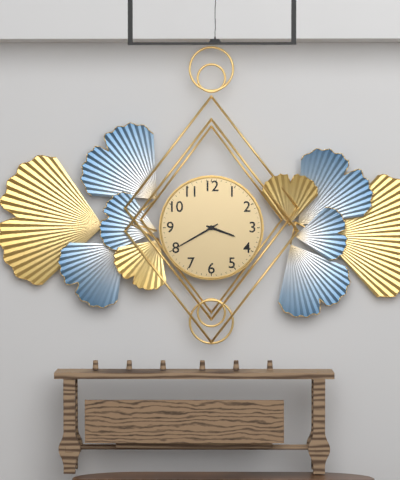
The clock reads **3:40**
